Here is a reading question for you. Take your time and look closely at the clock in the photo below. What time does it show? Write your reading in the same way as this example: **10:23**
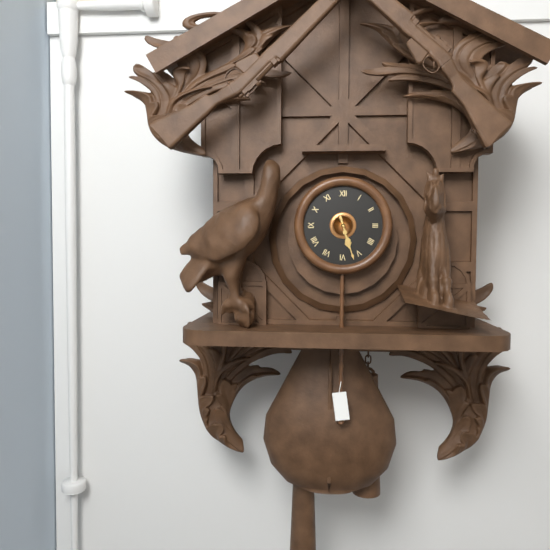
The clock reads **5:27**
